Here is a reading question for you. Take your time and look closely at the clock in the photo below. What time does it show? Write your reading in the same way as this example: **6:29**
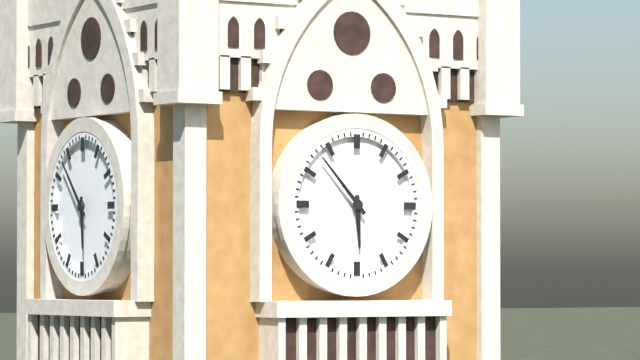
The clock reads **5:53**
